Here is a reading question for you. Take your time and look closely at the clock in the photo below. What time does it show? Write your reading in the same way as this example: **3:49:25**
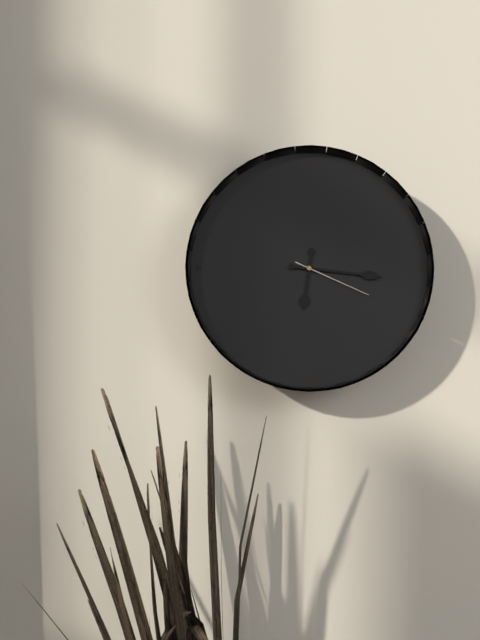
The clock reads **6:16:19**
